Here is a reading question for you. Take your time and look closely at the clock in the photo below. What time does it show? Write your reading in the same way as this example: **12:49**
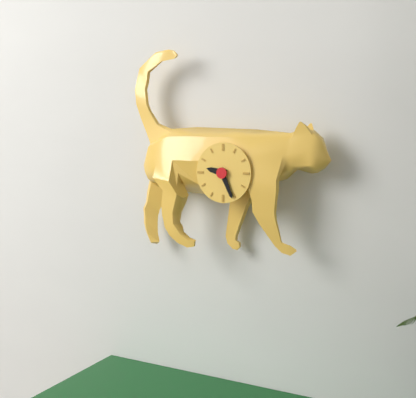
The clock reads **9:26**
